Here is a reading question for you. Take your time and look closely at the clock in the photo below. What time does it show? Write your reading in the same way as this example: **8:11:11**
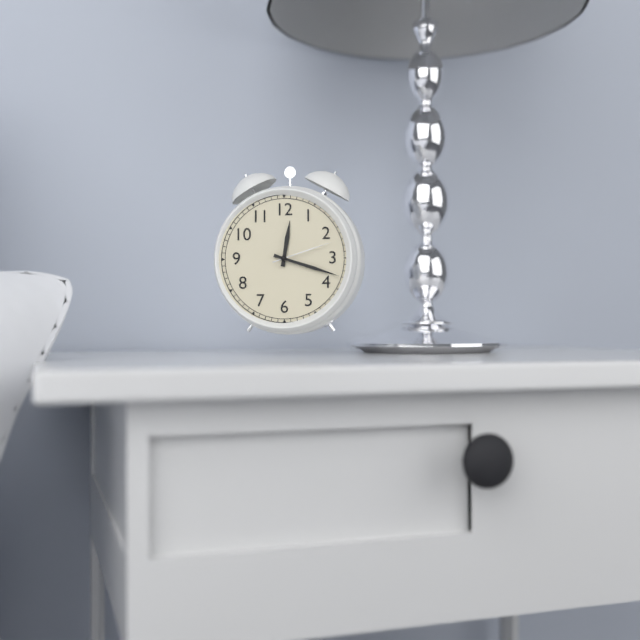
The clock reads **12:18:12**
